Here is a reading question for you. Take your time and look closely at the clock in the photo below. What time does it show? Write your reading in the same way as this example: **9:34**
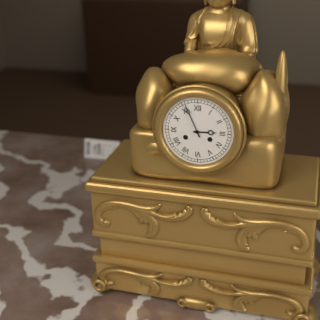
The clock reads **2:56**
